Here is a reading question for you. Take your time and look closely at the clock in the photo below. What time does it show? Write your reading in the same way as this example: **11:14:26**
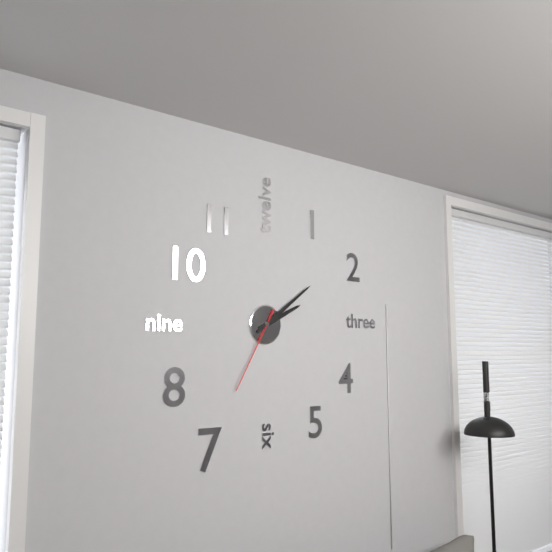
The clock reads **2:09:35**
